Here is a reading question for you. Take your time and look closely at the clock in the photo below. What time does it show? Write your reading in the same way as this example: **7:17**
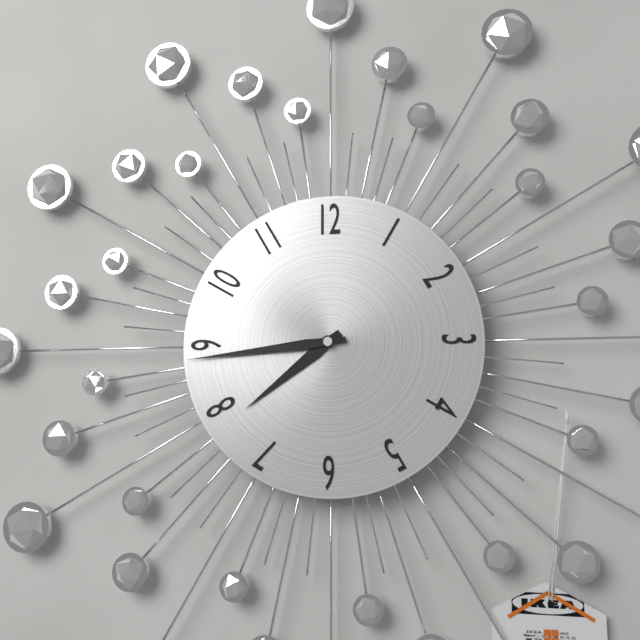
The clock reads **7:44**
